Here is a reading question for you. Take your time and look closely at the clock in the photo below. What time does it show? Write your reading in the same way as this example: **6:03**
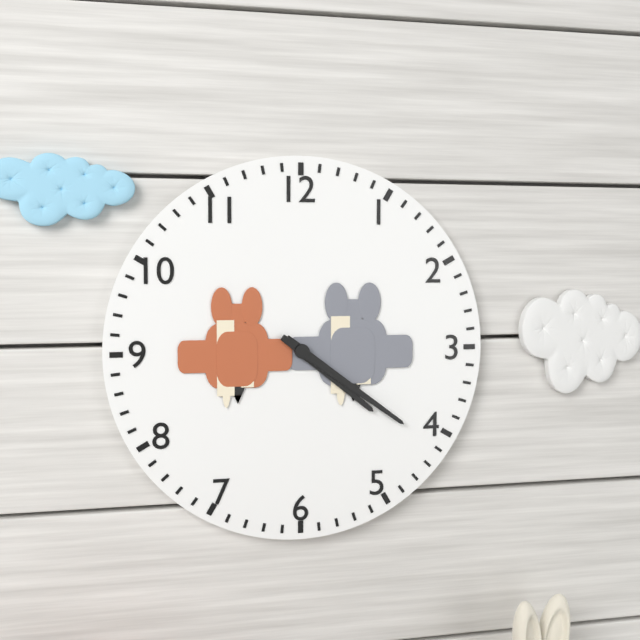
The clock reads **4:21**
